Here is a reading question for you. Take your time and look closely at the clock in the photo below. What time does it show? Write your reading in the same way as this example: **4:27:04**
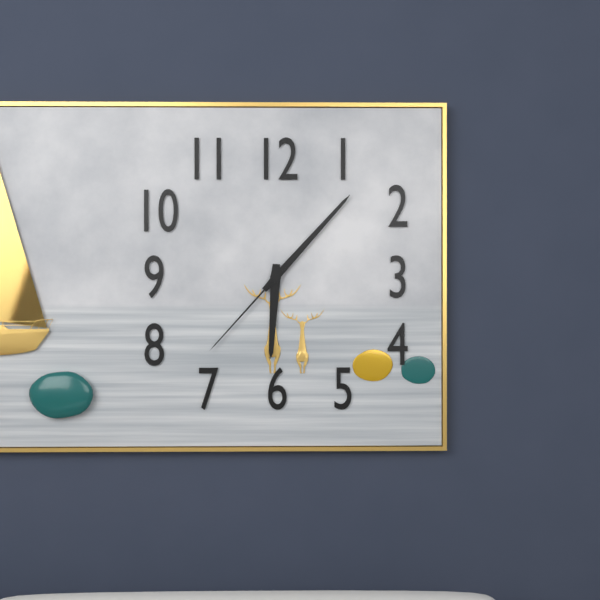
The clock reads **6:07:37**
